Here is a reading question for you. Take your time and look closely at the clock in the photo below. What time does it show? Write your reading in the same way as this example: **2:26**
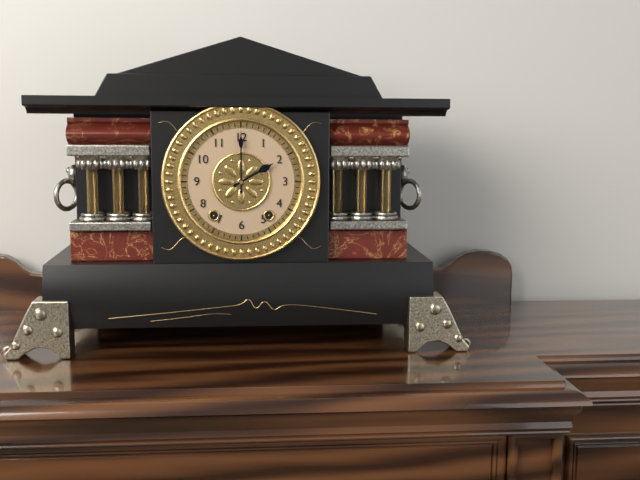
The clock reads **2:00**
